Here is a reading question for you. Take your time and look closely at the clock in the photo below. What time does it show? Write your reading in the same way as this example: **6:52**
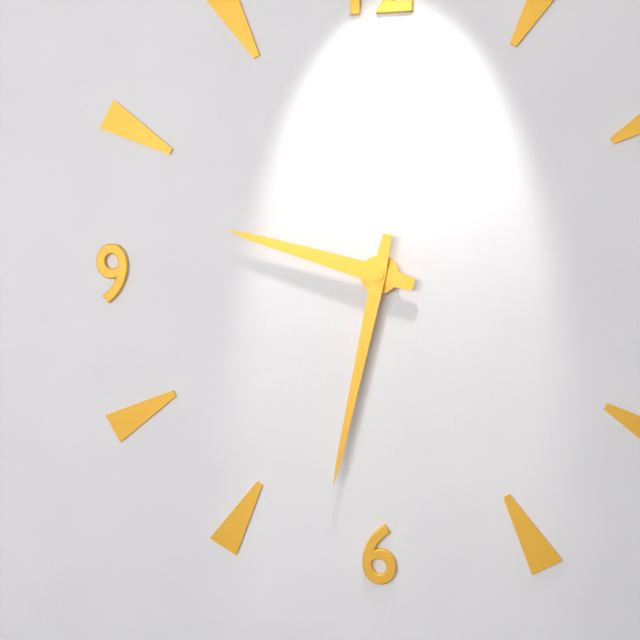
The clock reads **9:32**
